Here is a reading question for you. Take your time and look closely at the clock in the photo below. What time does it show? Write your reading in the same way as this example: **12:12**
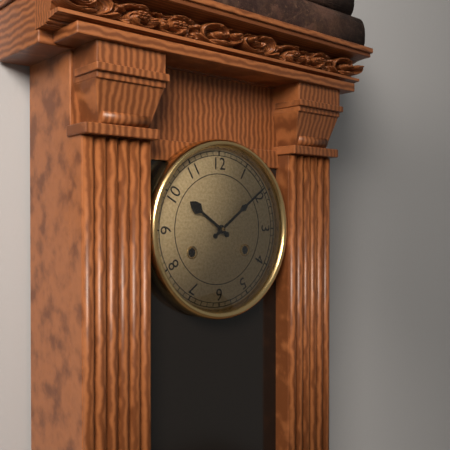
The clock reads **10:09**
